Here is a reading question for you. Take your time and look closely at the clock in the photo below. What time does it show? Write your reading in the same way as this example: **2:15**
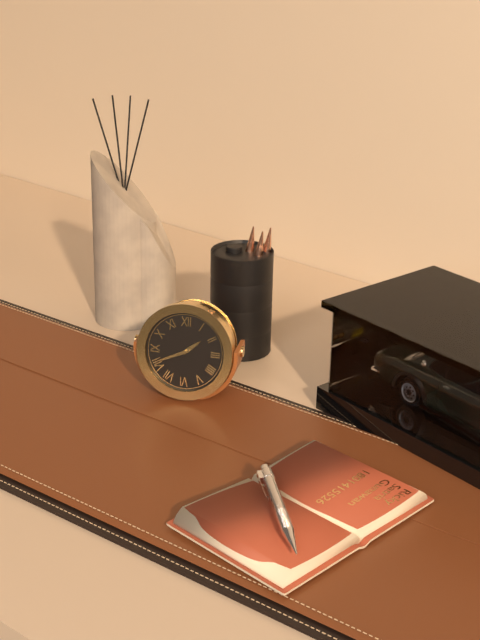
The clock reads **1:41**
